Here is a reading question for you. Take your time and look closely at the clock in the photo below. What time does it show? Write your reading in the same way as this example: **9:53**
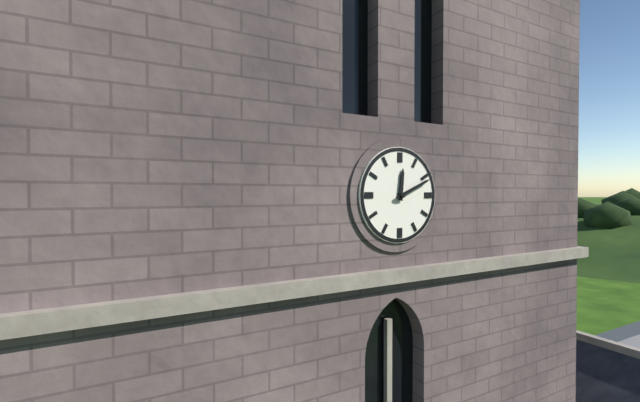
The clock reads **12:11**
